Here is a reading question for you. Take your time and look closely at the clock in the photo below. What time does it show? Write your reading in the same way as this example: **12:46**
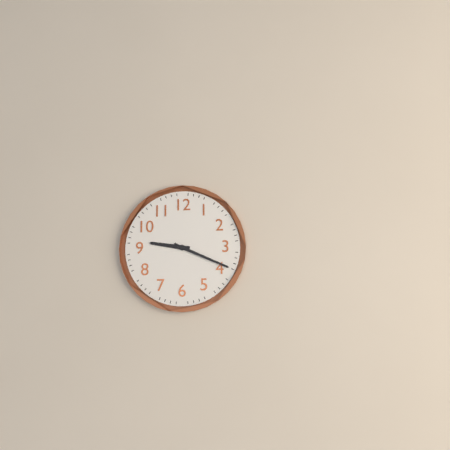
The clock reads **9:19**
